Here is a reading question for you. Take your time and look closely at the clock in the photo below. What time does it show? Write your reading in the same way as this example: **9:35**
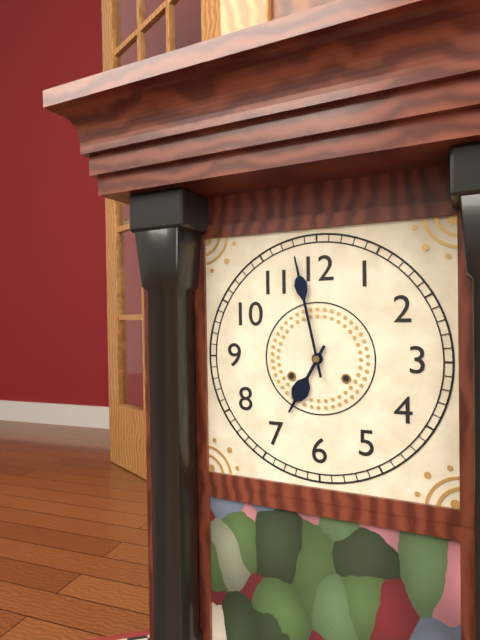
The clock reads **6:58**
